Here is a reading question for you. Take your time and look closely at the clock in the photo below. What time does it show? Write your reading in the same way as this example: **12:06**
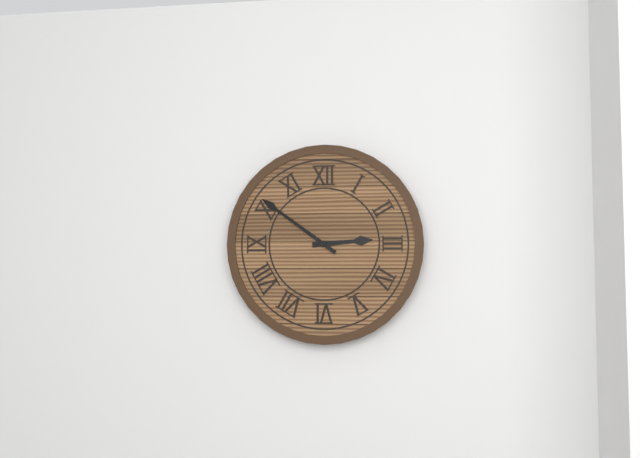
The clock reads **2:51**
